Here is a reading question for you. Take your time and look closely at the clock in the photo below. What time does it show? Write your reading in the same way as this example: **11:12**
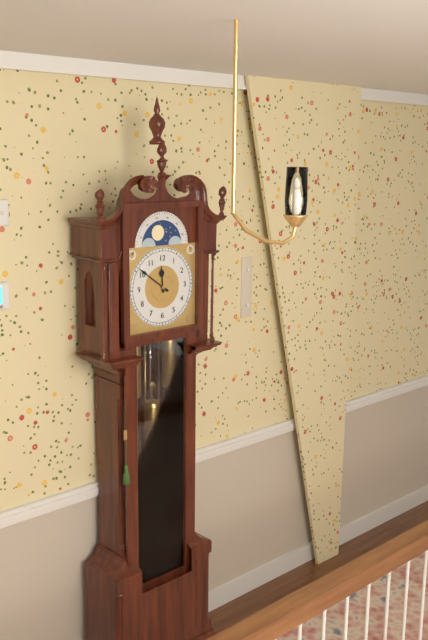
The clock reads **11:51**
